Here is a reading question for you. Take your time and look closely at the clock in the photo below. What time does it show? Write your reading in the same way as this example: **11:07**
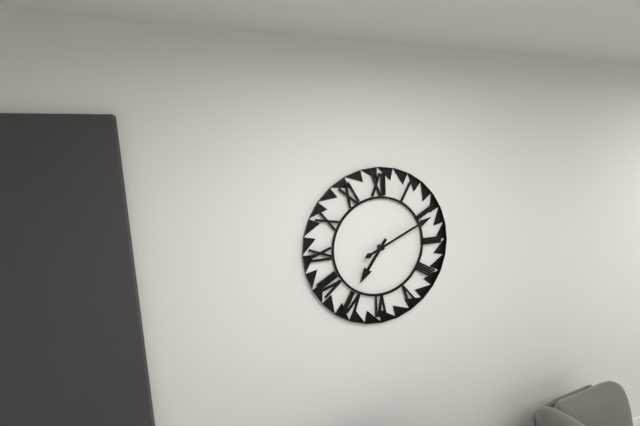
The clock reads **7:11**
